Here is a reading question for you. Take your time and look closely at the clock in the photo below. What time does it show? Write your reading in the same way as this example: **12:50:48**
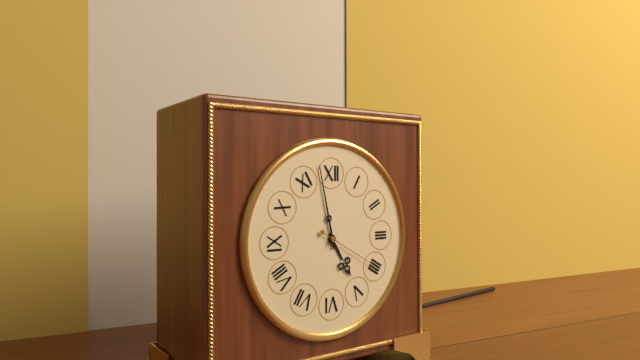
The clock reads **4:58:20**
